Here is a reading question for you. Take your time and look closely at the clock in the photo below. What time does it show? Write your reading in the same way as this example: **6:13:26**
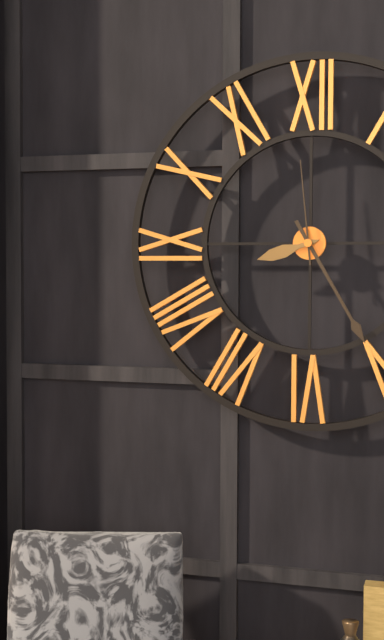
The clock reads **8:25:59**
